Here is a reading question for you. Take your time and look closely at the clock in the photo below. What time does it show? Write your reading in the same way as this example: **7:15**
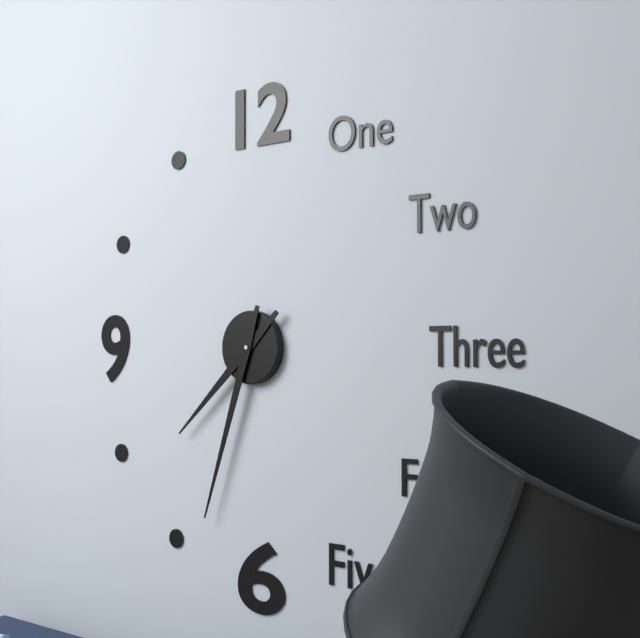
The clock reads **7:33**
